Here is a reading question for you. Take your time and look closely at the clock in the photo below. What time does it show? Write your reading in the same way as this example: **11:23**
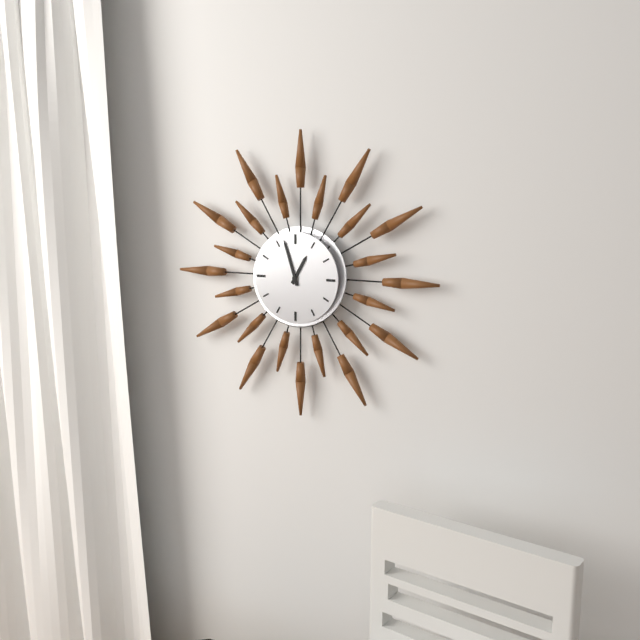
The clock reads **12:57**
